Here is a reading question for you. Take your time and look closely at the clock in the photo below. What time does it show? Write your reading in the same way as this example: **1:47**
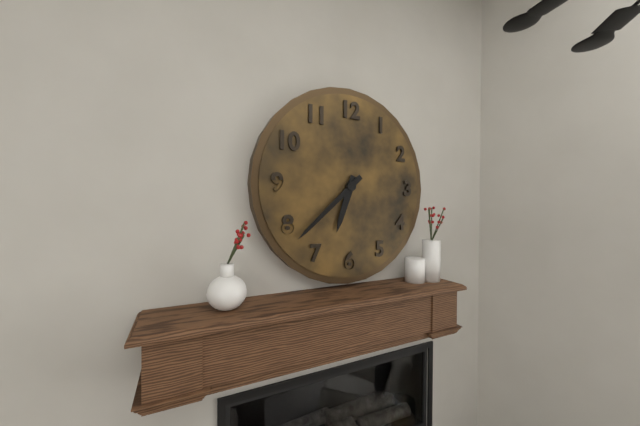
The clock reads **6:38**
